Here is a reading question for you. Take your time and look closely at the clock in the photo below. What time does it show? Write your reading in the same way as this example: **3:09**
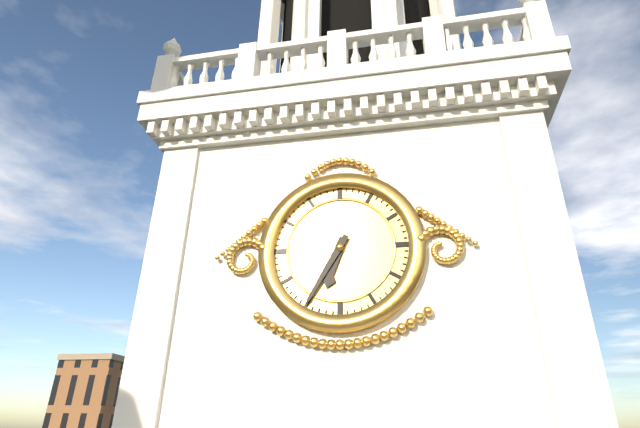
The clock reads **6:35**
